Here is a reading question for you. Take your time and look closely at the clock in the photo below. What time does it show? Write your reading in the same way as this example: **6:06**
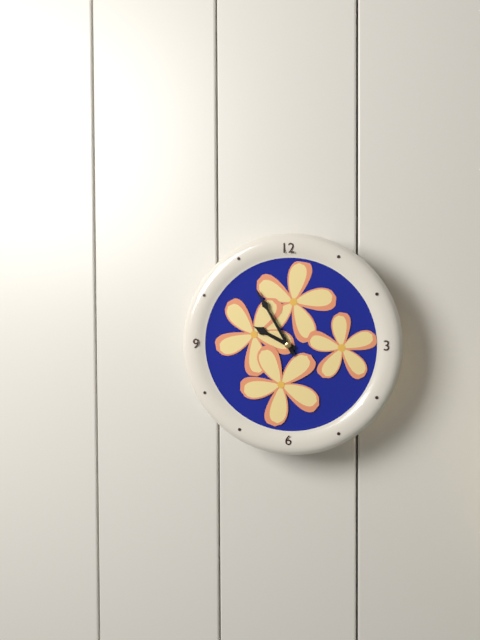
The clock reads **9:55**
